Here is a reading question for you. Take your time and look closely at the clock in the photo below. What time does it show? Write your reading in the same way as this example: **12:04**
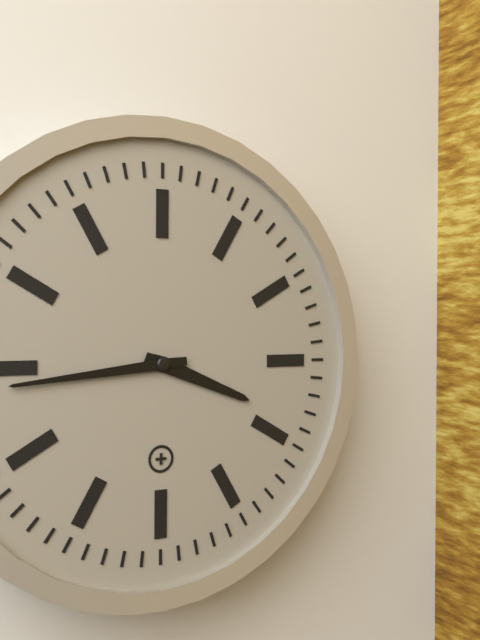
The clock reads **3:44**
